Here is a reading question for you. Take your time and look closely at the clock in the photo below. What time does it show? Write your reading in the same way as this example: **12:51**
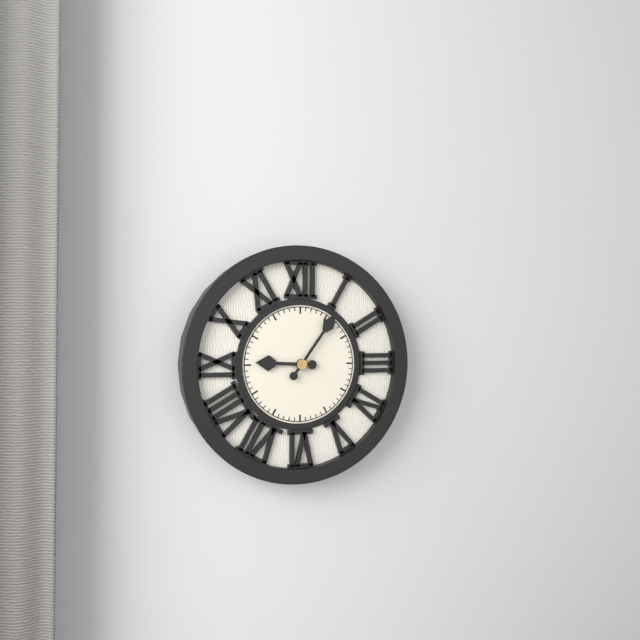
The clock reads **9:06**
